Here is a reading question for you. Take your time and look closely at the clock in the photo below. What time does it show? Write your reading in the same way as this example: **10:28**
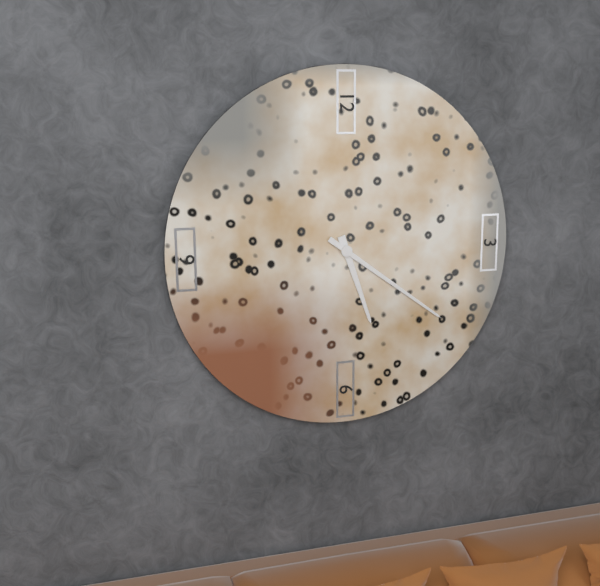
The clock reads **5:21**
